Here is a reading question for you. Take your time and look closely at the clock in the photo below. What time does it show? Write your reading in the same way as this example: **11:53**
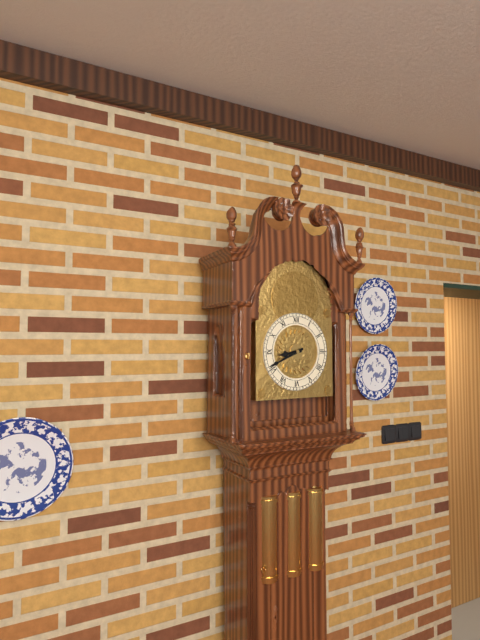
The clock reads **8:41**
